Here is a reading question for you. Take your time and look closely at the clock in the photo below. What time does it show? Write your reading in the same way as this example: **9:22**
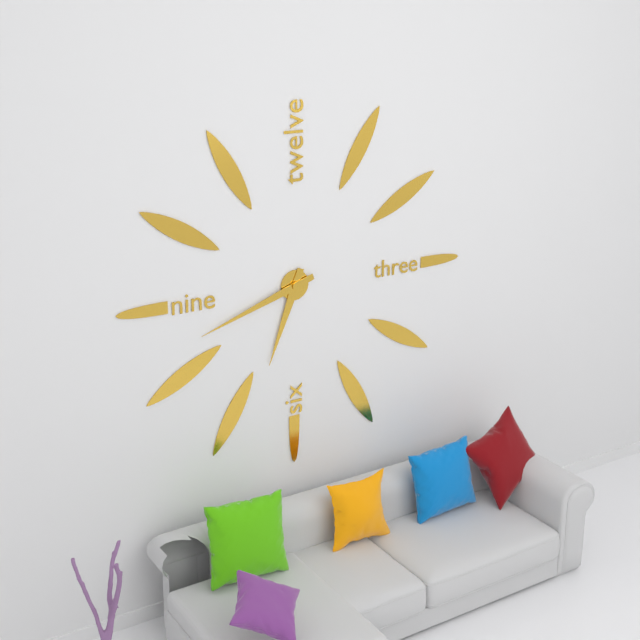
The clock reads **6:42**
